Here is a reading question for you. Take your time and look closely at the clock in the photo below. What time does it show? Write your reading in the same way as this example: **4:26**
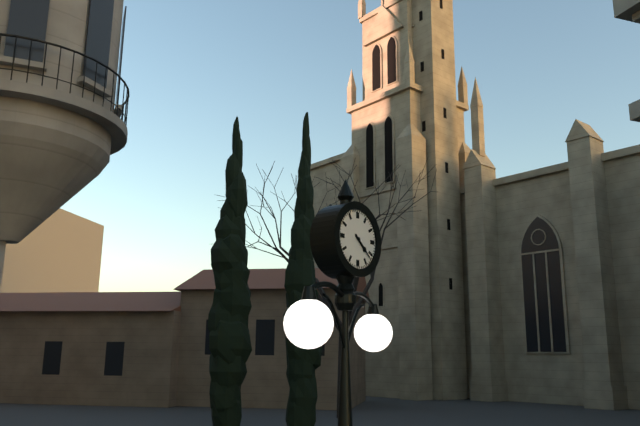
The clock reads **4:22**
